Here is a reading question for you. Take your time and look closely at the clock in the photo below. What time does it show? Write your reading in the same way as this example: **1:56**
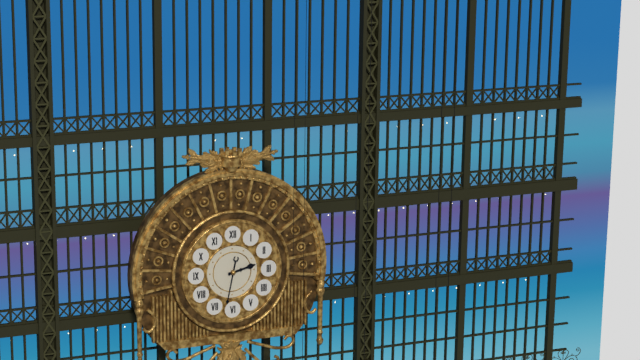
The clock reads **2:32**
